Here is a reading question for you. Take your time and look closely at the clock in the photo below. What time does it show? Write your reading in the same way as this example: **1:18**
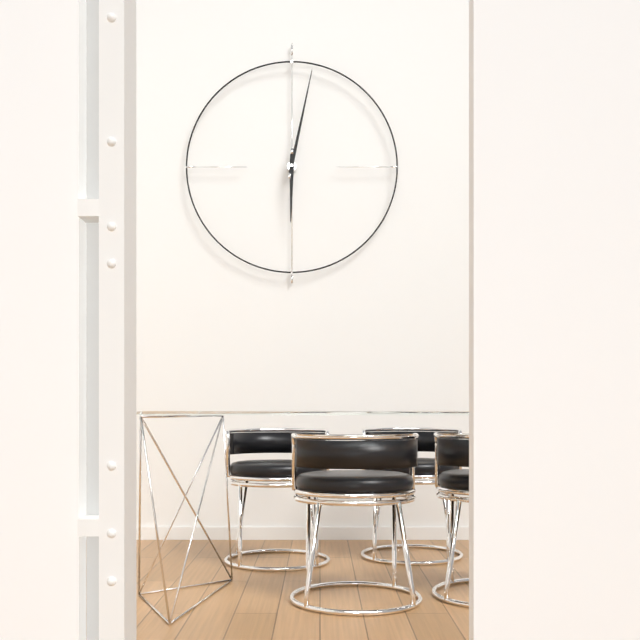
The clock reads **6:02**
